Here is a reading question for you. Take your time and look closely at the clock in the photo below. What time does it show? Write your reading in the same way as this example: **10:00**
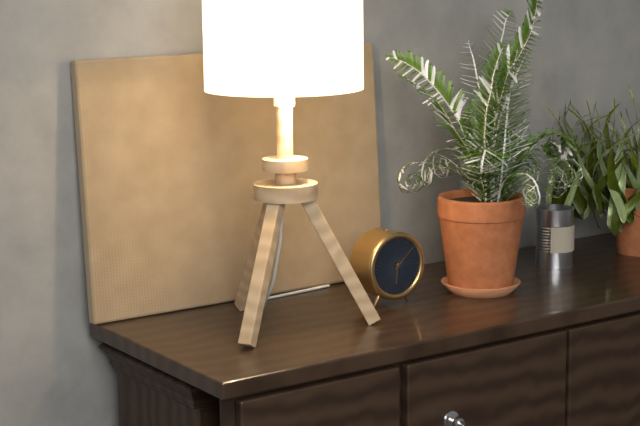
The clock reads **6:08**
